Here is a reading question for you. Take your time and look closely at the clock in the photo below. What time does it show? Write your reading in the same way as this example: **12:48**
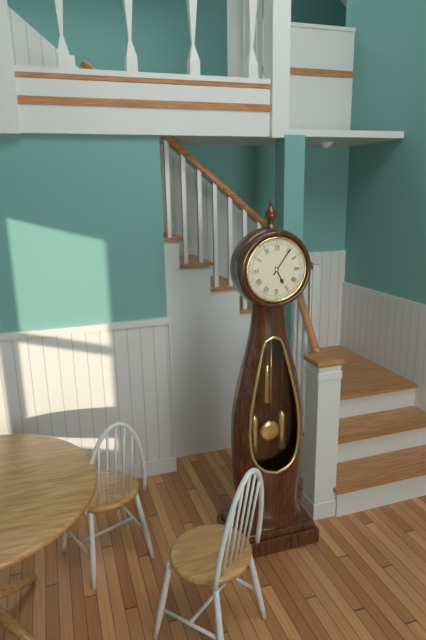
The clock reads **5:06**
